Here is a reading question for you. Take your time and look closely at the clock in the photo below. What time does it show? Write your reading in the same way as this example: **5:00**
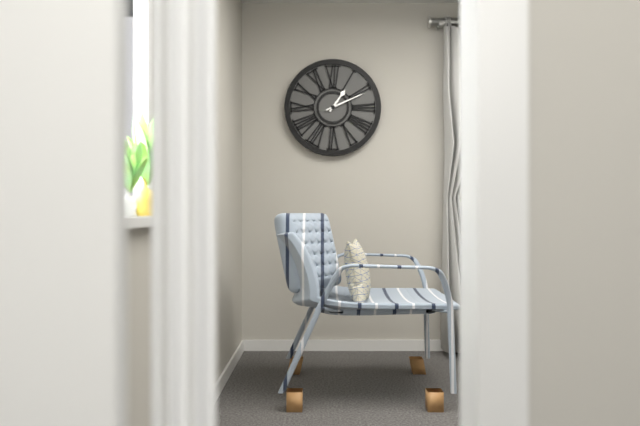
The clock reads **1:11**
